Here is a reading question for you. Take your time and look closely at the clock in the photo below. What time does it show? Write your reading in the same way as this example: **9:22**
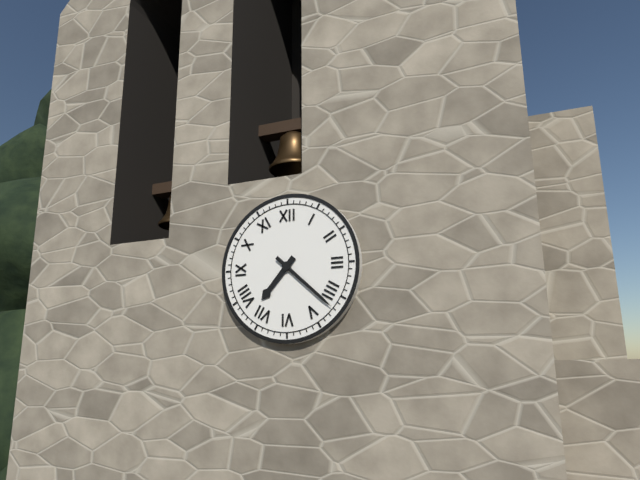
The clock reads **7:22**
